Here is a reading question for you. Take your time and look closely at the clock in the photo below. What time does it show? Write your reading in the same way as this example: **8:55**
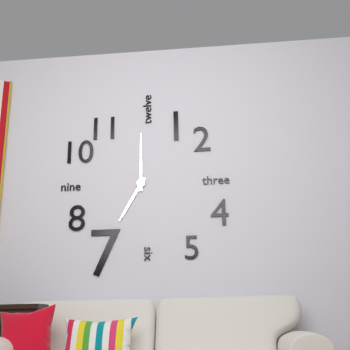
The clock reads **7:00**
